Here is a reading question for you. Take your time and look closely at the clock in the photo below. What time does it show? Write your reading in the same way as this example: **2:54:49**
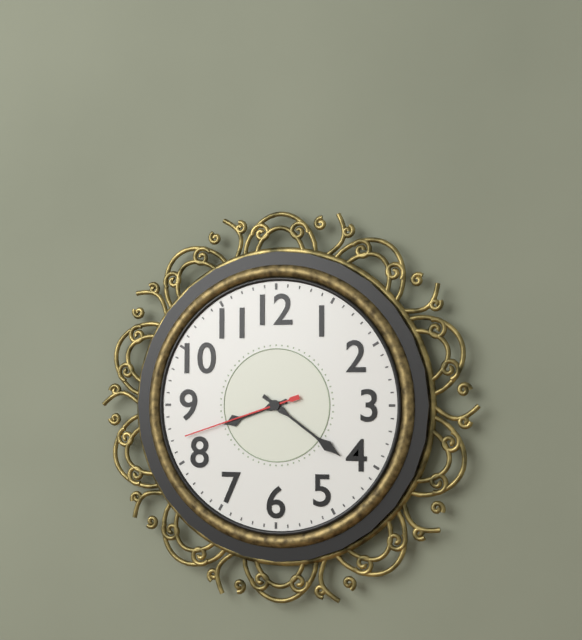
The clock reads **8:21:42**
